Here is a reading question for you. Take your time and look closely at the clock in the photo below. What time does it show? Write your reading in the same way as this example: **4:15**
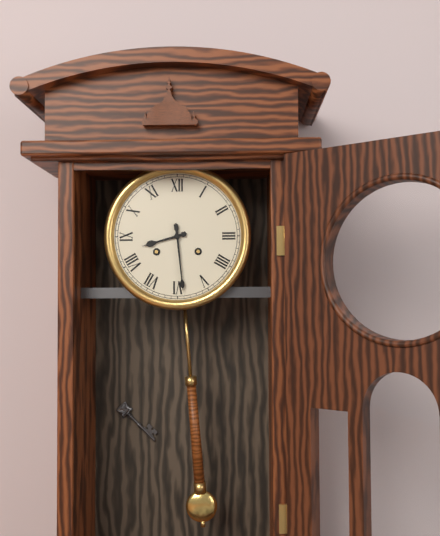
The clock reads **8:29**
